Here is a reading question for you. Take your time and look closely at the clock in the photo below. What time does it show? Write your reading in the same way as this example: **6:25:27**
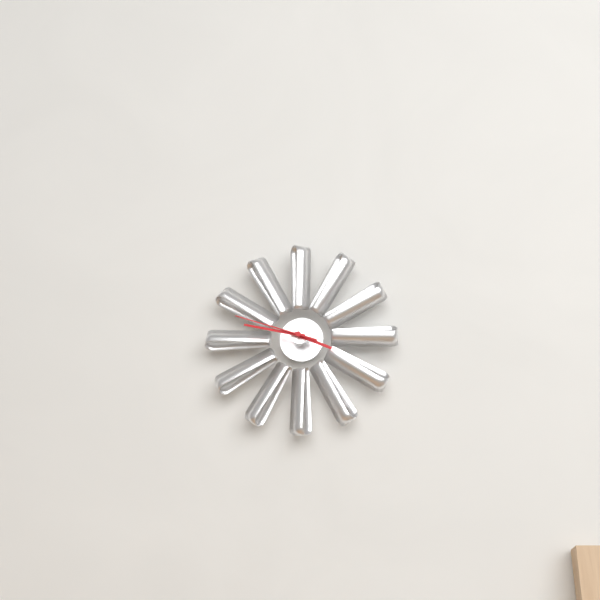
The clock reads **3:47:48**
